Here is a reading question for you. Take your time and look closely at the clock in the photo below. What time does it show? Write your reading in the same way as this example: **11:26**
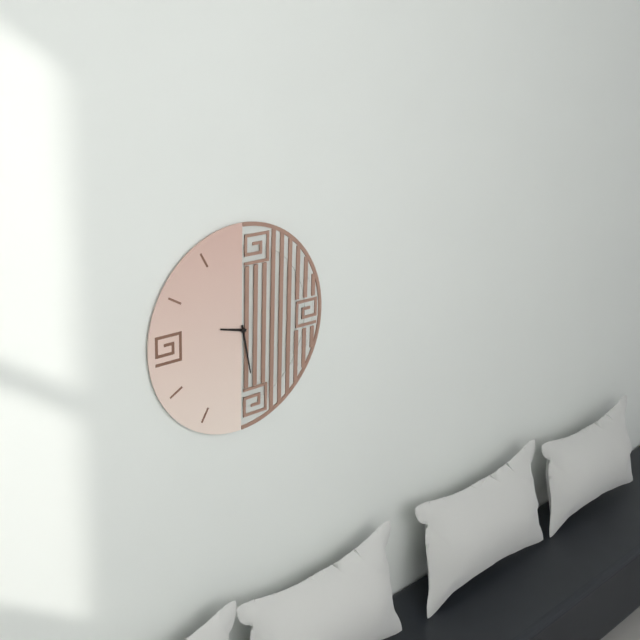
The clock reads **9:28**
